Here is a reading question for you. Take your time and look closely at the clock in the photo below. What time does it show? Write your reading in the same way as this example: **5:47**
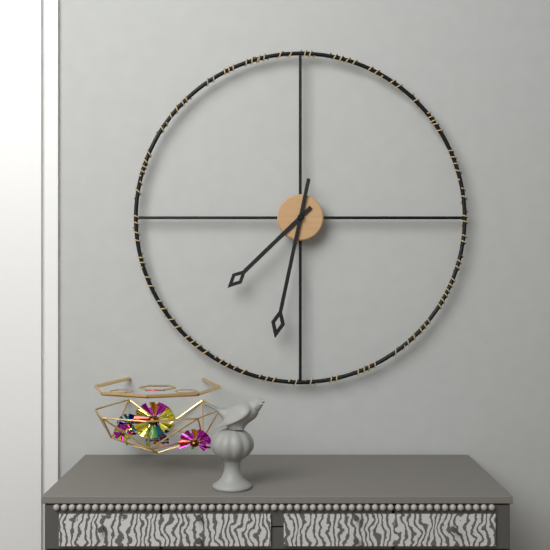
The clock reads **7:32**
